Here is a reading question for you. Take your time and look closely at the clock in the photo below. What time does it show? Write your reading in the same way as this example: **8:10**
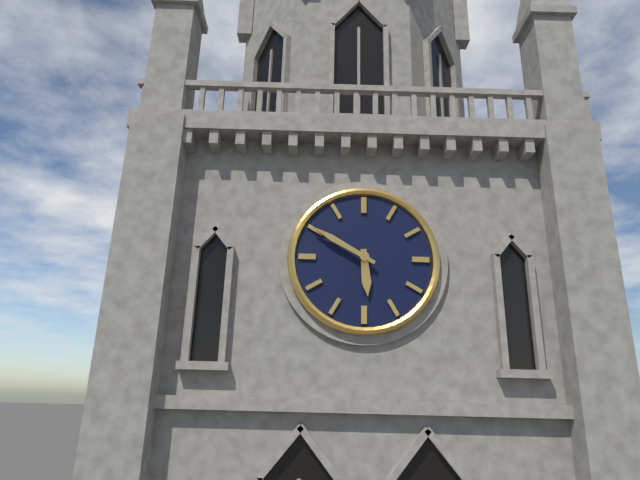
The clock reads **5:50**
